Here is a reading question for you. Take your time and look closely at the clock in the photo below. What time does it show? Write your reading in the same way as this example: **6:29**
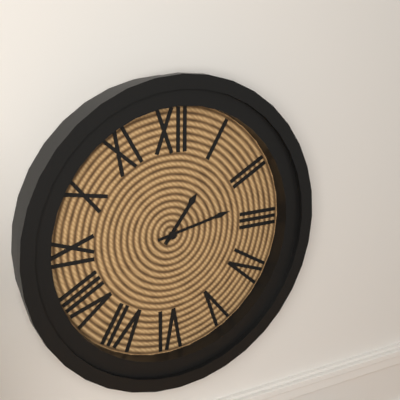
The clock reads **1:13**
